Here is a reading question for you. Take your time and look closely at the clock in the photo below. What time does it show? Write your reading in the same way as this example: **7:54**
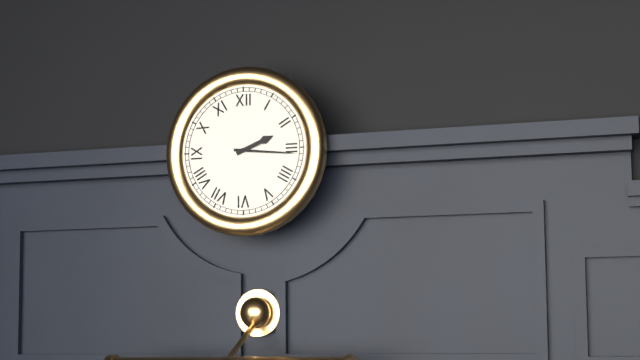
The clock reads **2:16**
